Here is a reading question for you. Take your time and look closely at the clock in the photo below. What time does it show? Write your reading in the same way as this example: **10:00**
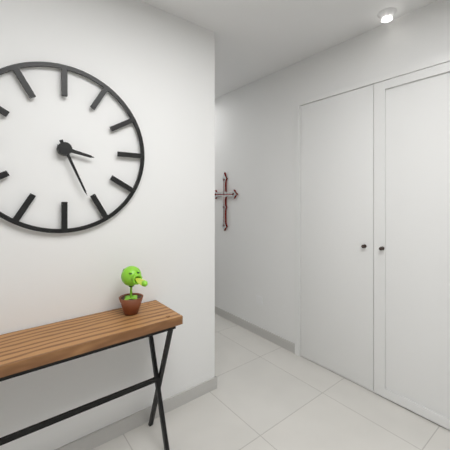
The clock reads **3:26**
